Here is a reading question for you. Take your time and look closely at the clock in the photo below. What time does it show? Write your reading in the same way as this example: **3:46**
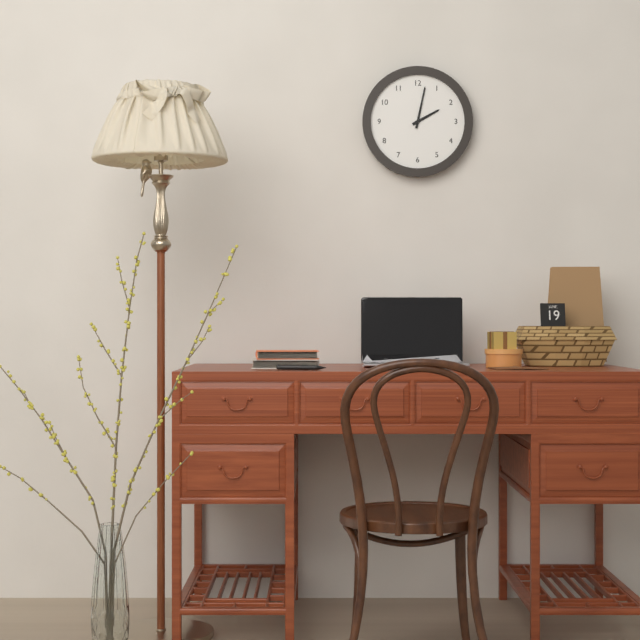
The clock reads **2:02**
